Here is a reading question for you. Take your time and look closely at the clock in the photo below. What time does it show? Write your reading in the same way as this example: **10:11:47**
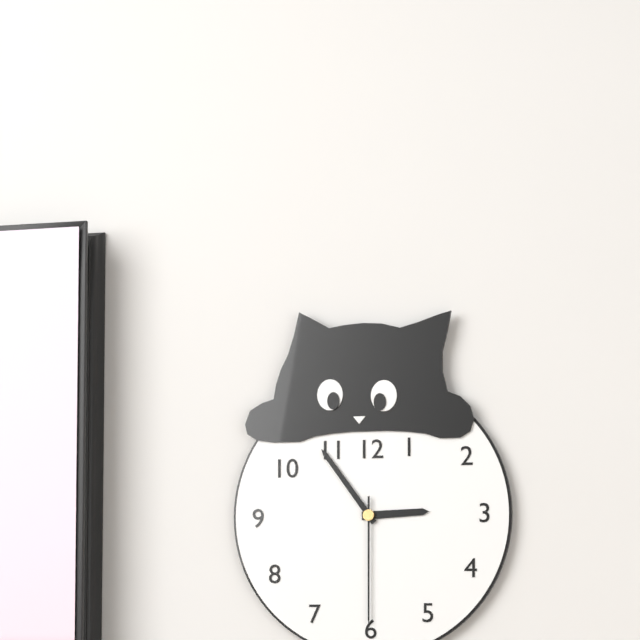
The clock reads **2:54:30**
